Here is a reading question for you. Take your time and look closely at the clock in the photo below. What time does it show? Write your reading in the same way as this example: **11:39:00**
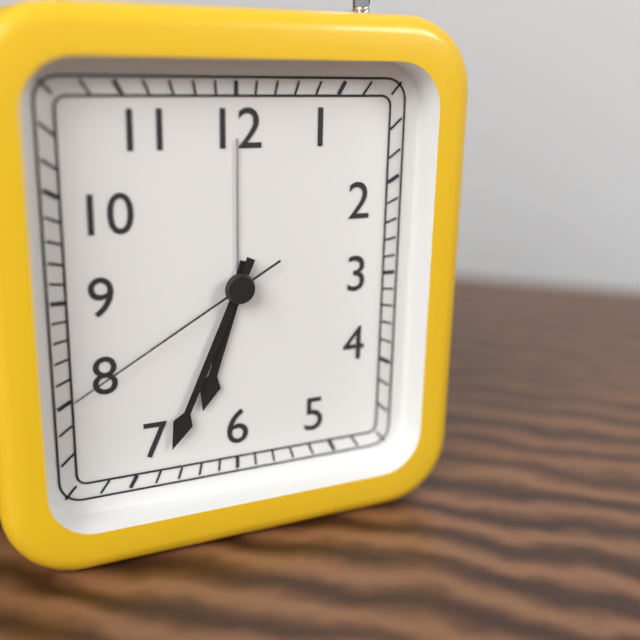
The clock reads **6:34:40**
